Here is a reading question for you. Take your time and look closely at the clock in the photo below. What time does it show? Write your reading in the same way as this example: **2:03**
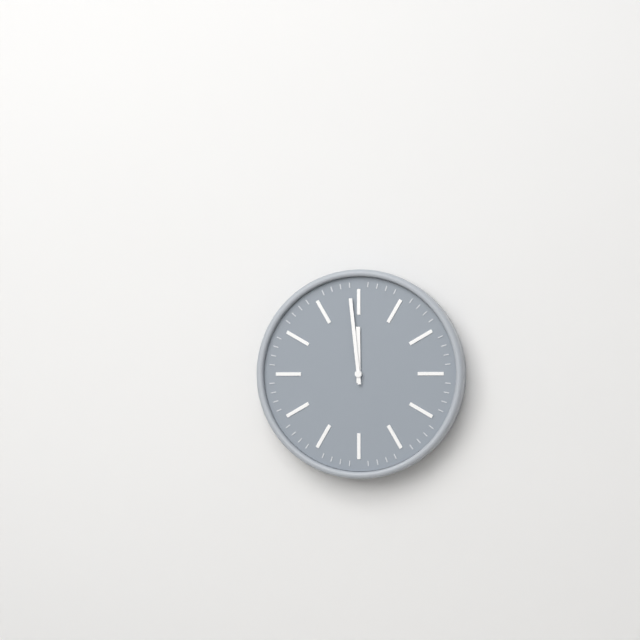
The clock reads **11:59**
